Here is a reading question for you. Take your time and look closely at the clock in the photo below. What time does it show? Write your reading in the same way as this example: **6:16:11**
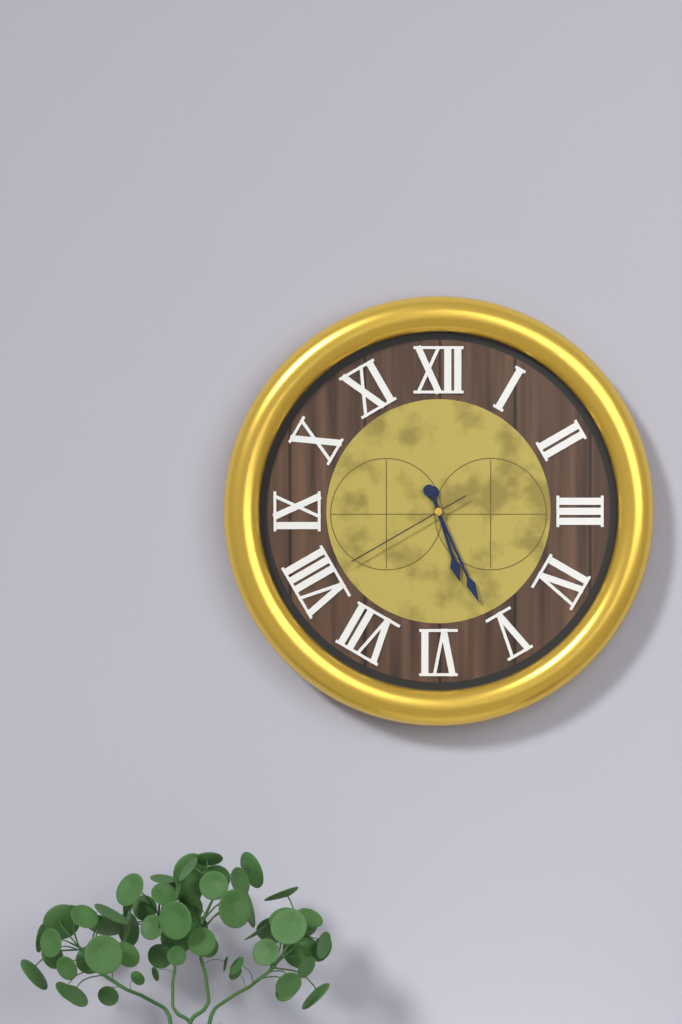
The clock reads **5:26:40**
